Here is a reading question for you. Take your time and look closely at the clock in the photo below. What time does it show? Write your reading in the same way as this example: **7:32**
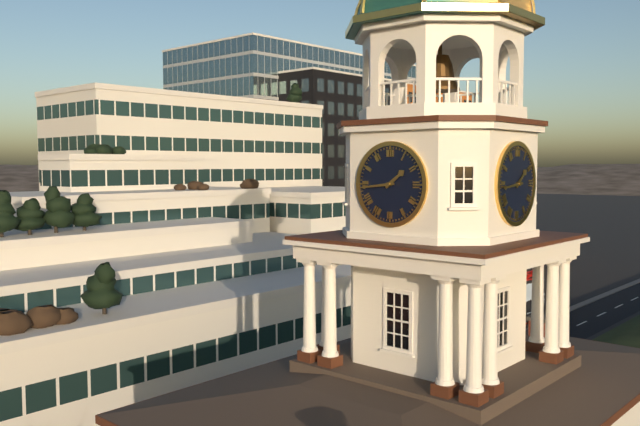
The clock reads **1:44**
